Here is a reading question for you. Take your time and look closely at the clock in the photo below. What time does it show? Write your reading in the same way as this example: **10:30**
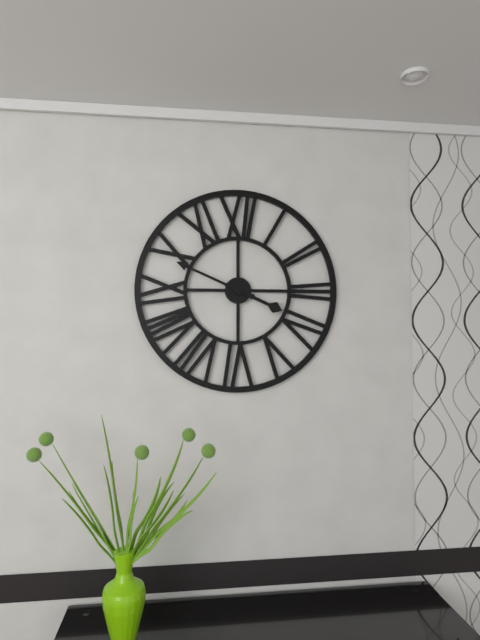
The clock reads **3:49**
